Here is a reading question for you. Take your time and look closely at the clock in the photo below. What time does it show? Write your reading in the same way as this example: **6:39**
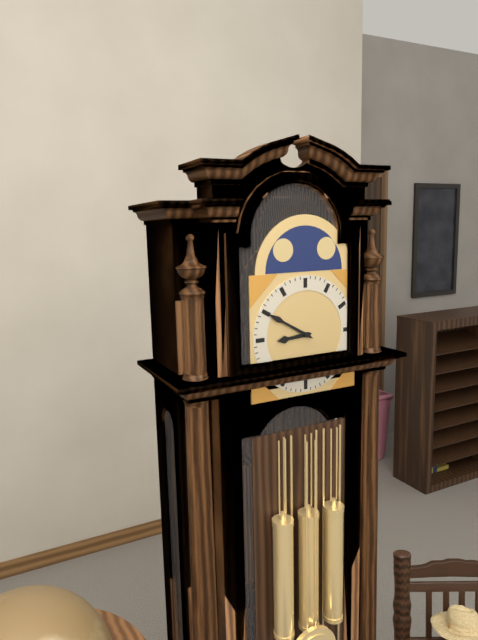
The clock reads **8:50**
